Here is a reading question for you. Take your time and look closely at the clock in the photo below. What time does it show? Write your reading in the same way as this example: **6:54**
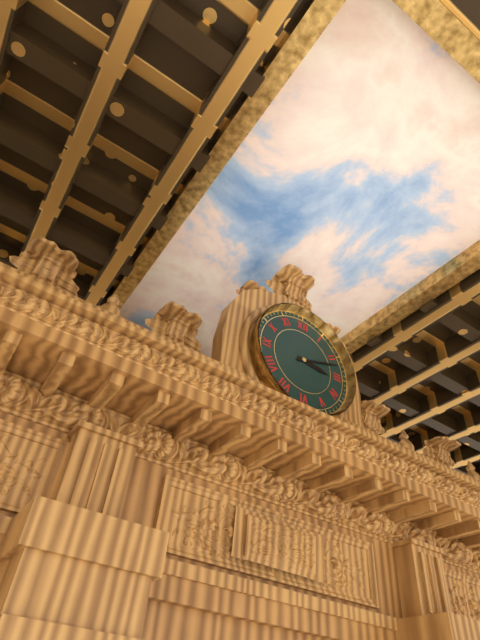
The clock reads **3:12**
